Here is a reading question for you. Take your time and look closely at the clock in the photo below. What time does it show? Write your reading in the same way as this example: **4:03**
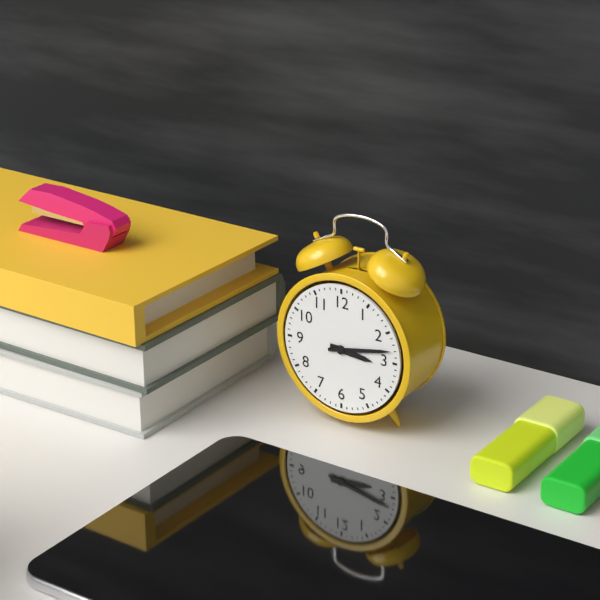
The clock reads **3:13**
